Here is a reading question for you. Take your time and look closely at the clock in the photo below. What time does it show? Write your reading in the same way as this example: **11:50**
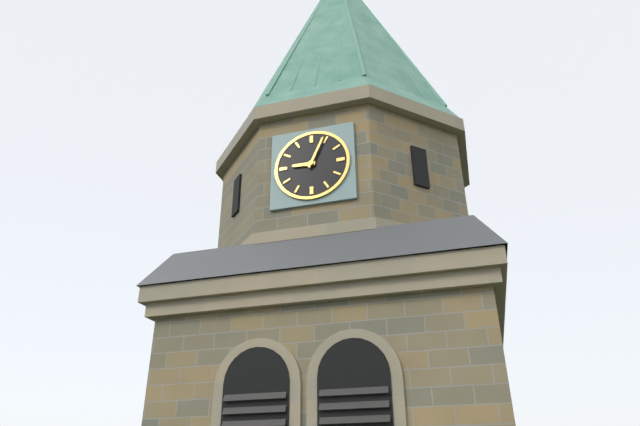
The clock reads **9:04**
